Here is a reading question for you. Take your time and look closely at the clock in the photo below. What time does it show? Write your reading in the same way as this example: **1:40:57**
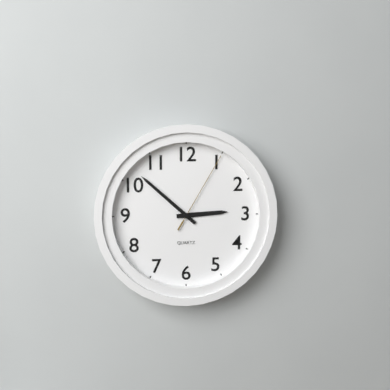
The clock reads **2:52:05**
